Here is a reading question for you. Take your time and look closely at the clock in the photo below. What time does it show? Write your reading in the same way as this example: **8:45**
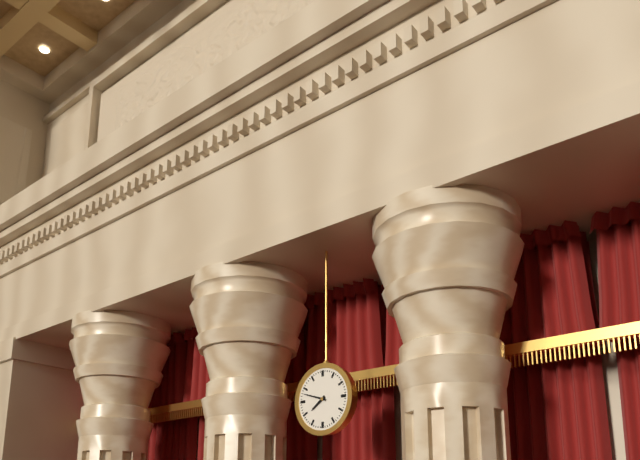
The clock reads **7:48**
